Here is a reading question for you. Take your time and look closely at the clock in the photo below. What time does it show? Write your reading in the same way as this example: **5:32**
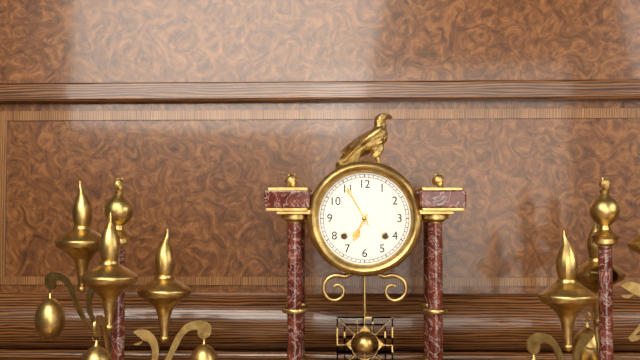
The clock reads **6:55**
